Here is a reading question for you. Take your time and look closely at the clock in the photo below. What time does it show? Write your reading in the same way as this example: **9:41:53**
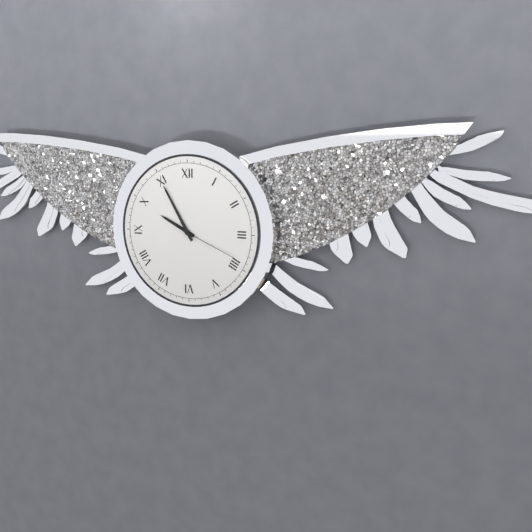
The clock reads **9:55:19**
